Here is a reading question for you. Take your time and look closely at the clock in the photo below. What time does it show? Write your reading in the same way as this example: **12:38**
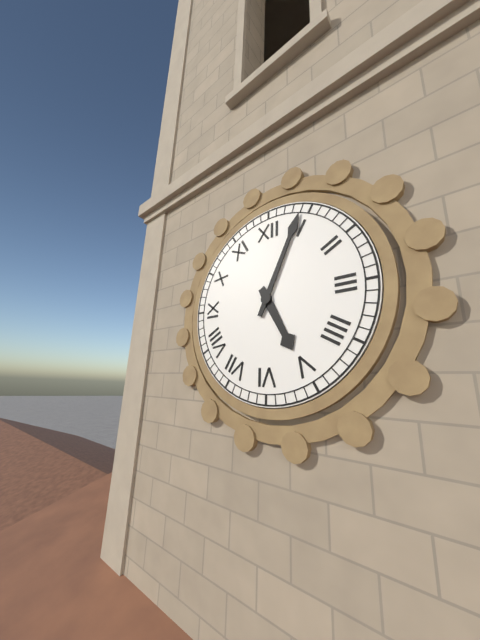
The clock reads **5:04**
